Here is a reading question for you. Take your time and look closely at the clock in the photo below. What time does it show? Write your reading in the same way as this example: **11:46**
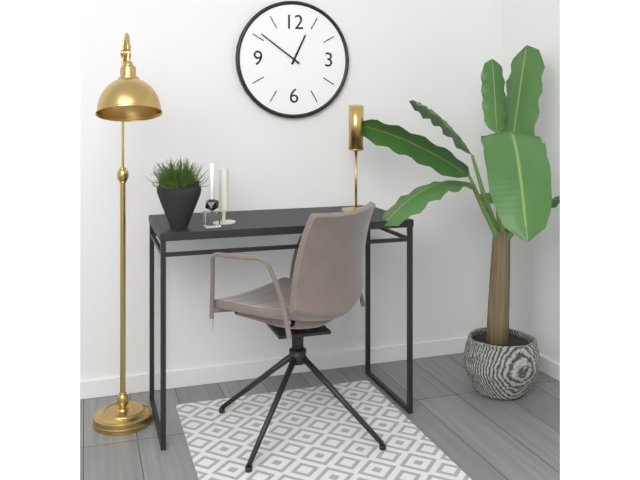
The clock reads **12:51**
